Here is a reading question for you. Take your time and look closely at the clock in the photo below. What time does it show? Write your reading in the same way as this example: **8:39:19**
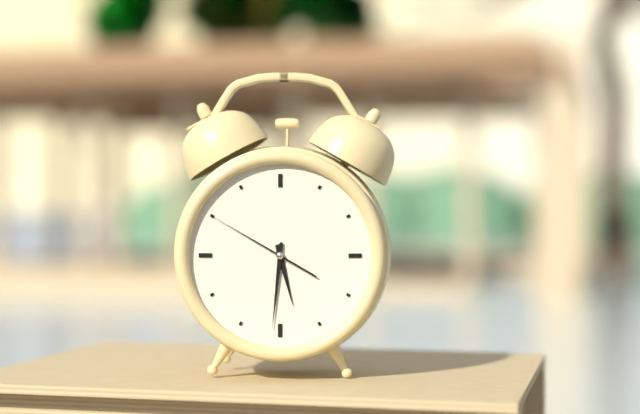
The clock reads **5:31:50**
